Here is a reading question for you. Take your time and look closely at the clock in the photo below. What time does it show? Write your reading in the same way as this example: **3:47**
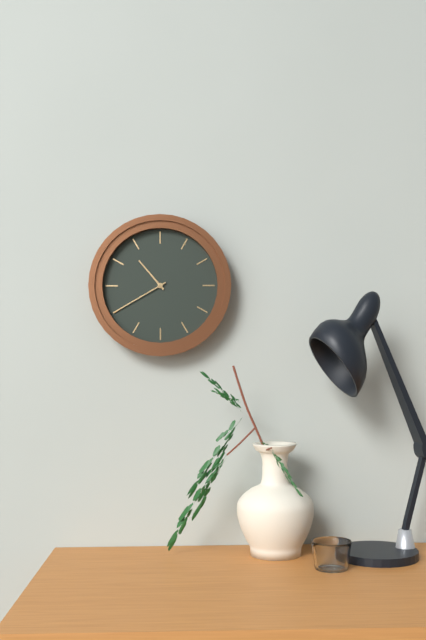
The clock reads **10:40**
